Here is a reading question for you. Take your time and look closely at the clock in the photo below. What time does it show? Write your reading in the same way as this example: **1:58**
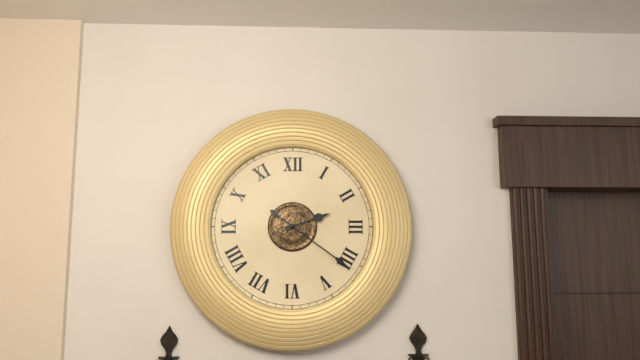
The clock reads **2:21**
